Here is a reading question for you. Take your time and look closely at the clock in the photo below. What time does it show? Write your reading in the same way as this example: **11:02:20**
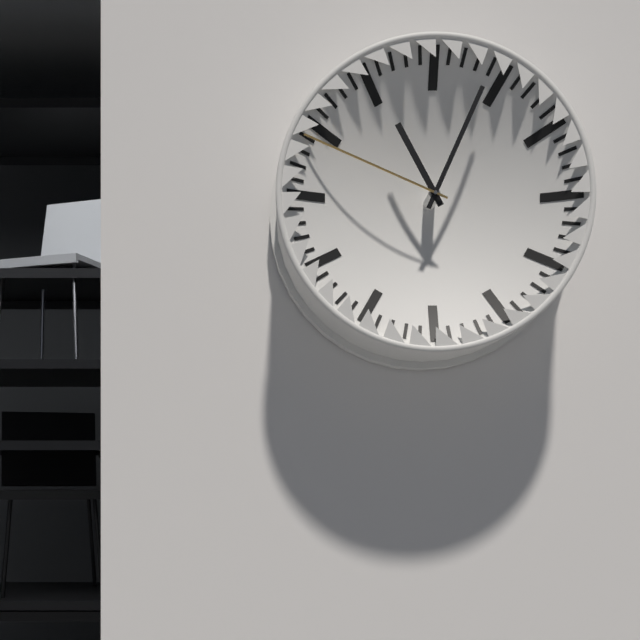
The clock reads **11:04:49**
